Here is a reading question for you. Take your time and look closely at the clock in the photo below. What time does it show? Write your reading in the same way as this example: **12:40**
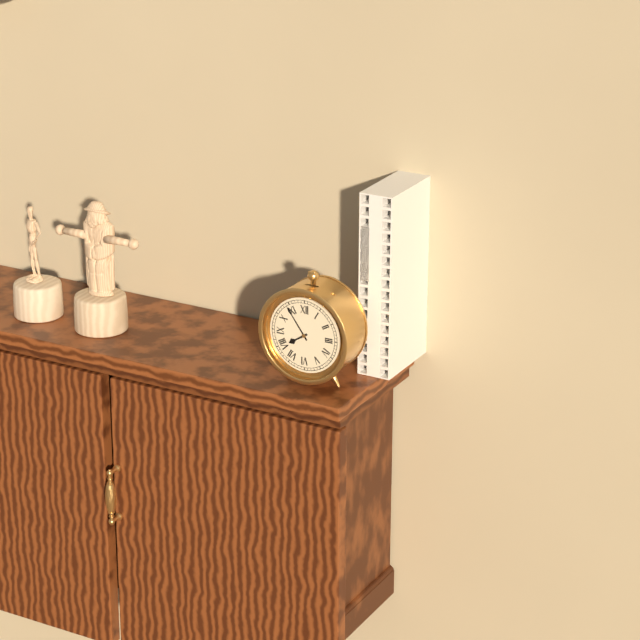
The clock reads **7:54**
